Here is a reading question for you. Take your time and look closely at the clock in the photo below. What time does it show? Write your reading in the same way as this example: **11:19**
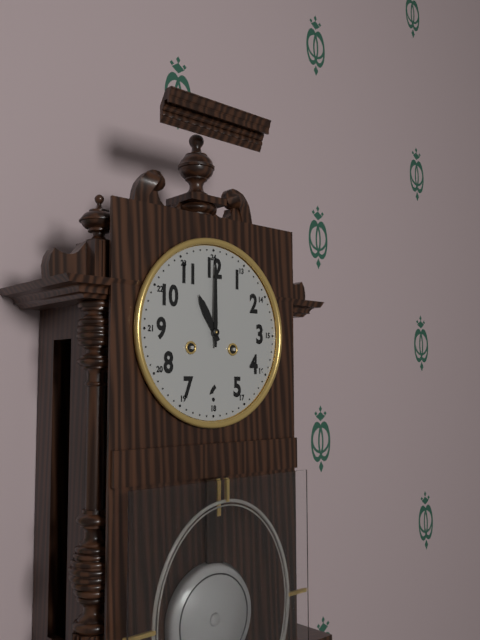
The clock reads **11:00**
